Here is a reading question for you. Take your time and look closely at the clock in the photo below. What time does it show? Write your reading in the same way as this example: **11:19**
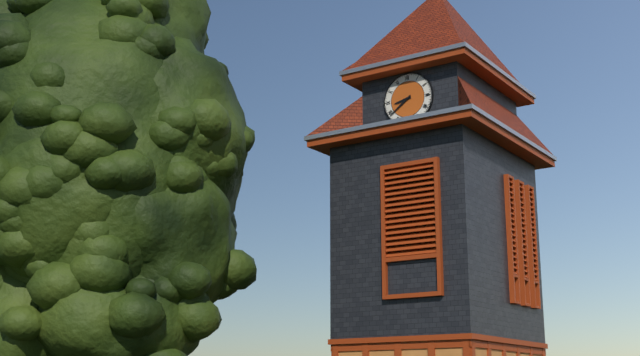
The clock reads **8:39**
